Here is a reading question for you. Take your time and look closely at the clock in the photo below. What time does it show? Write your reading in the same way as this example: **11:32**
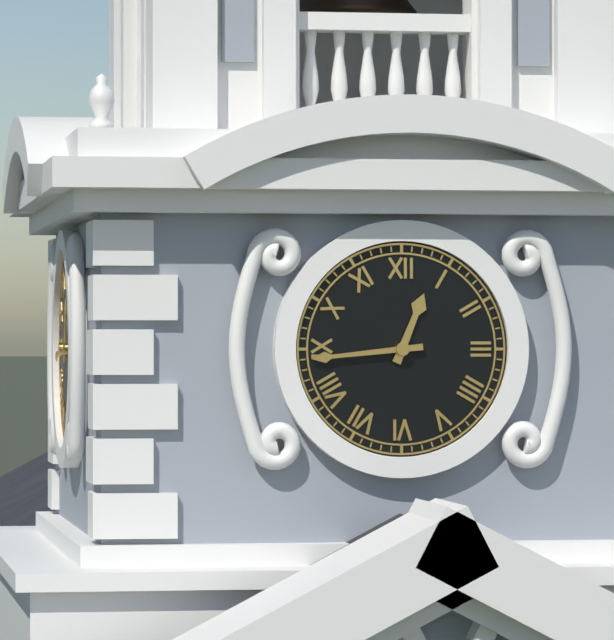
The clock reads **12:44**
